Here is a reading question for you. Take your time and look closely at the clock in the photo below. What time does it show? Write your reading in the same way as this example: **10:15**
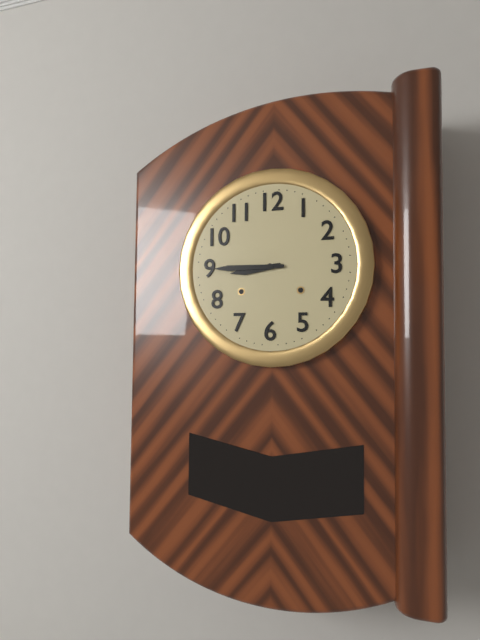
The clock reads **8:45**
